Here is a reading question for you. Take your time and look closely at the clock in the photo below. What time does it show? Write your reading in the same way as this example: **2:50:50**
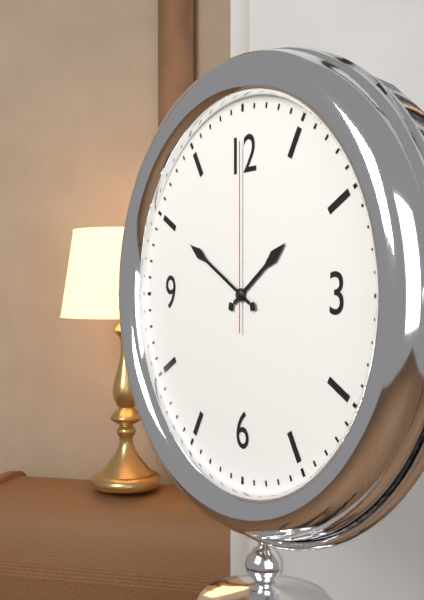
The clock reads **1:50:00**
